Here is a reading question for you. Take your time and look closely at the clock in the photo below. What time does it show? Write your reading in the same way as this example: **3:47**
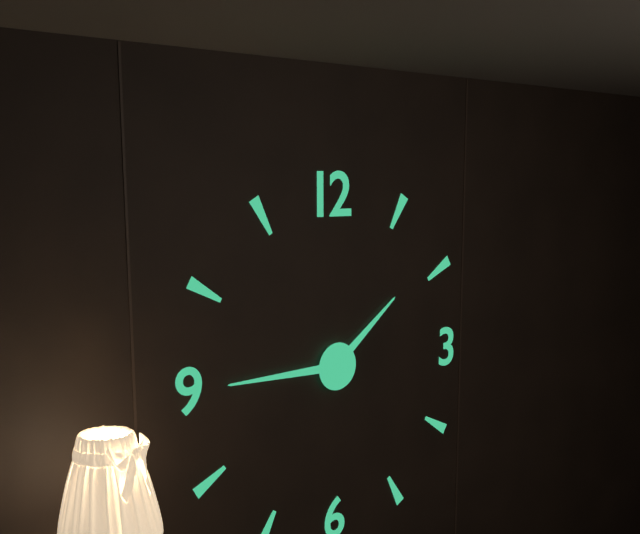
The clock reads **1:45**
